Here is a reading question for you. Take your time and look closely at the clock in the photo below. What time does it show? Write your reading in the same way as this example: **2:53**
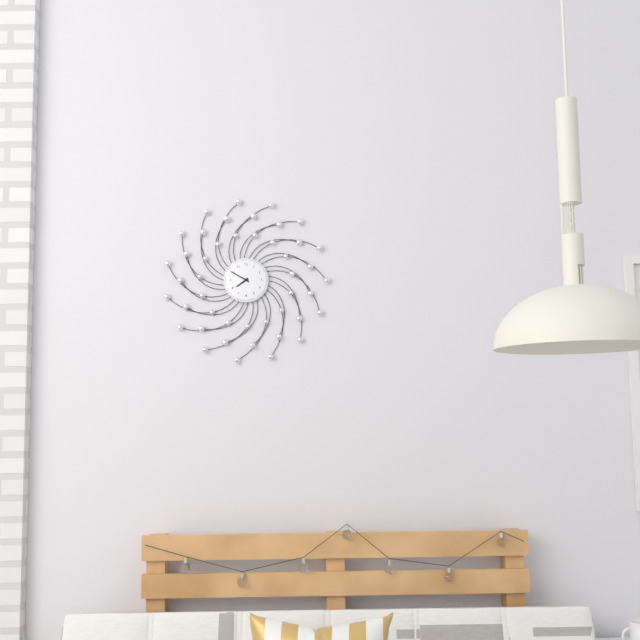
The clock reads **7:50**
